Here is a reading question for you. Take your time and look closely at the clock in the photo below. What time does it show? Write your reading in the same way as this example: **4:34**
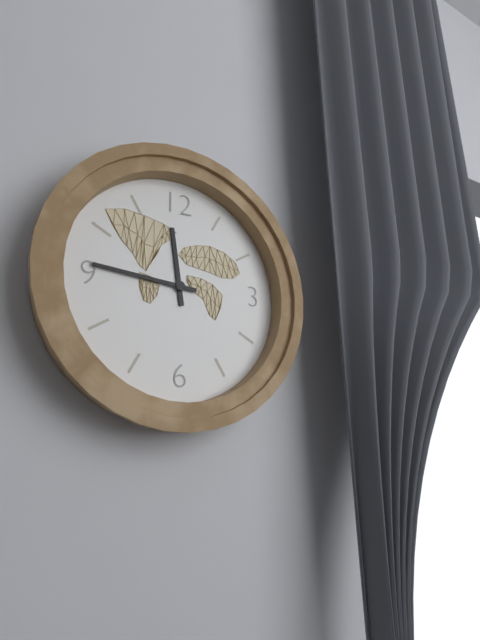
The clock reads **11:46**
